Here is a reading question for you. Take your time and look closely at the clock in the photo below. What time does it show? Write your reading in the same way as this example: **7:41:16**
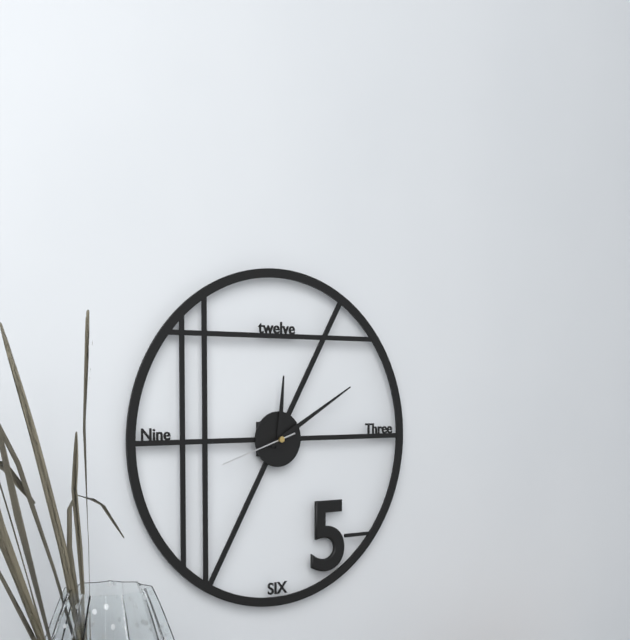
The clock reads **12:10:42**
